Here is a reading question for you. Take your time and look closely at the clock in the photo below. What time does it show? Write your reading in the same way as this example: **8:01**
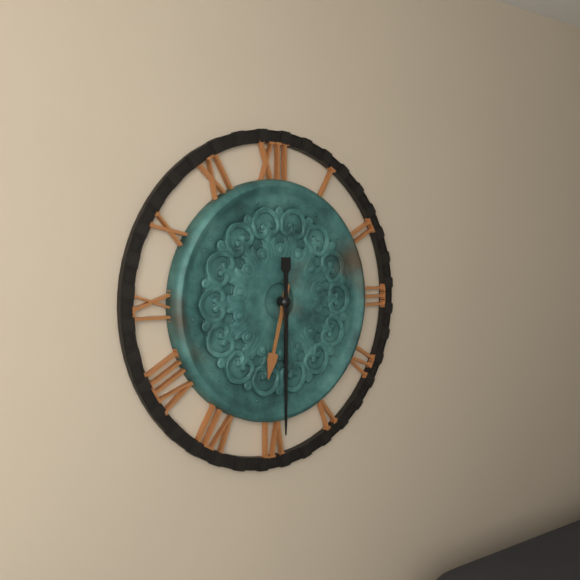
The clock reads **6:30**
